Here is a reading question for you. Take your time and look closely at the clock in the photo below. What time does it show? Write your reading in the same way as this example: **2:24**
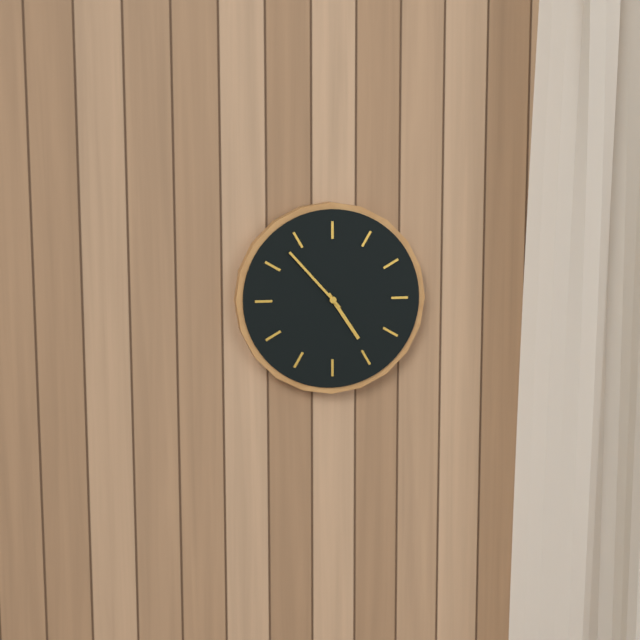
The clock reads **4:53**
